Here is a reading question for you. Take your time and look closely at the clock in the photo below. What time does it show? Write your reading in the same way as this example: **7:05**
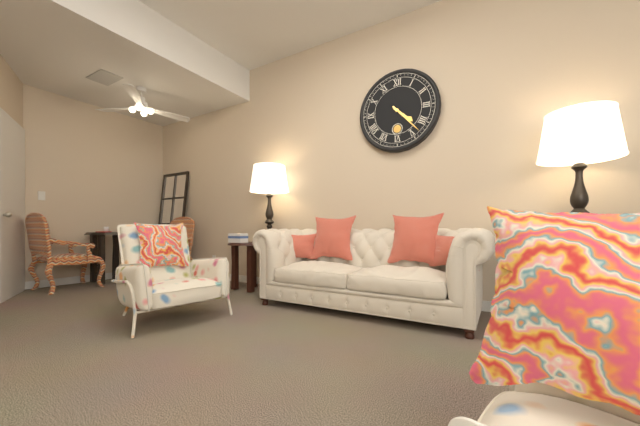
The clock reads **4:23**
